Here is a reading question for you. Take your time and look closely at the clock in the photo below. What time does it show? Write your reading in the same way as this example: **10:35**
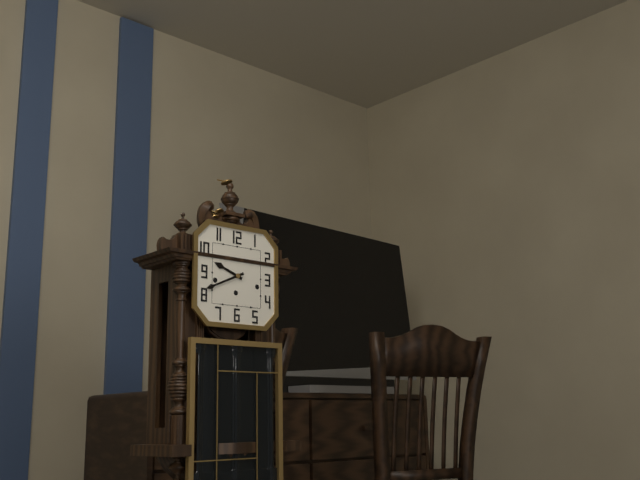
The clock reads **9:41**
